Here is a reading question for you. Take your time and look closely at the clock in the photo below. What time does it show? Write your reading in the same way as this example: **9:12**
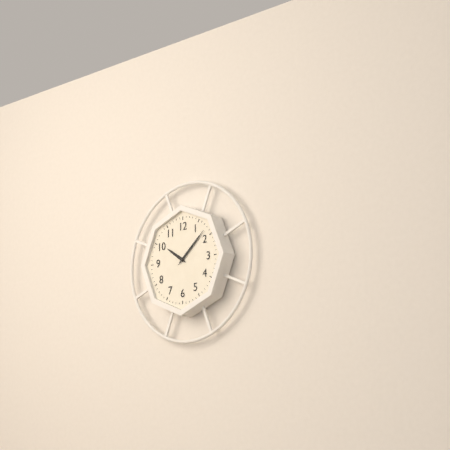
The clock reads **10:08**
